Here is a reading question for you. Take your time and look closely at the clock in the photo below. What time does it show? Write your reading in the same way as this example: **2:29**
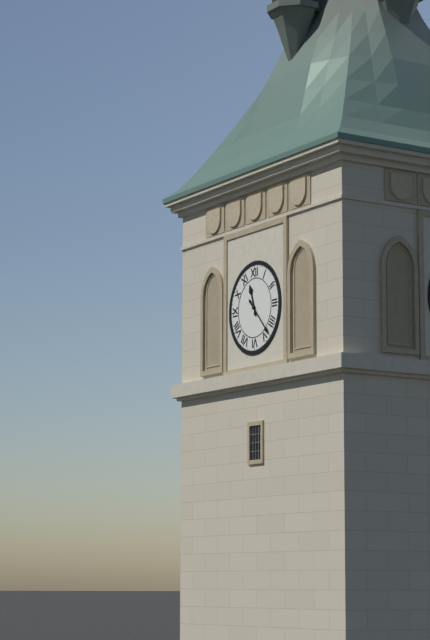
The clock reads **11:23**
